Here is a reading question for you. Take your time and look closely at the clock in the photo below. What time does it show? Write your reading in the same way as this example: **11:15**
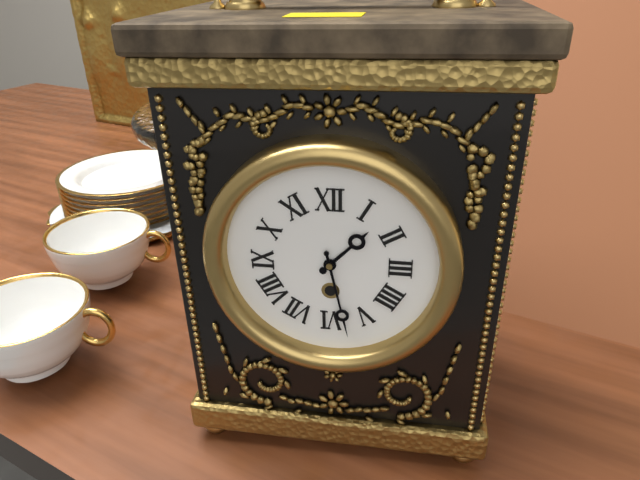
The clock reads **1:28**
